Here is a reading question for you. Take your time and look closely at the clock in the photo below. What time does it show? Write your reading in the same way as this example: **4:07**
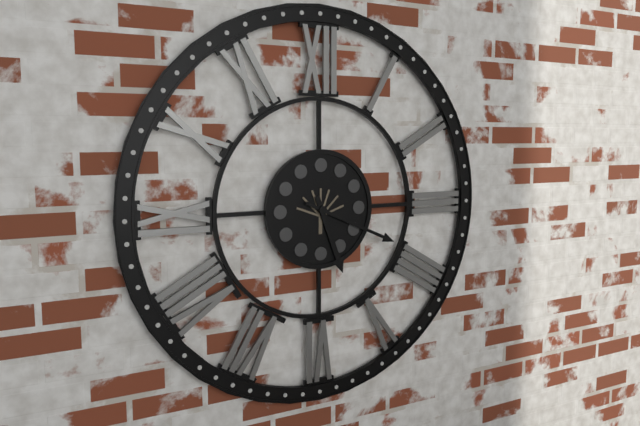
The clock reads **5:19**
